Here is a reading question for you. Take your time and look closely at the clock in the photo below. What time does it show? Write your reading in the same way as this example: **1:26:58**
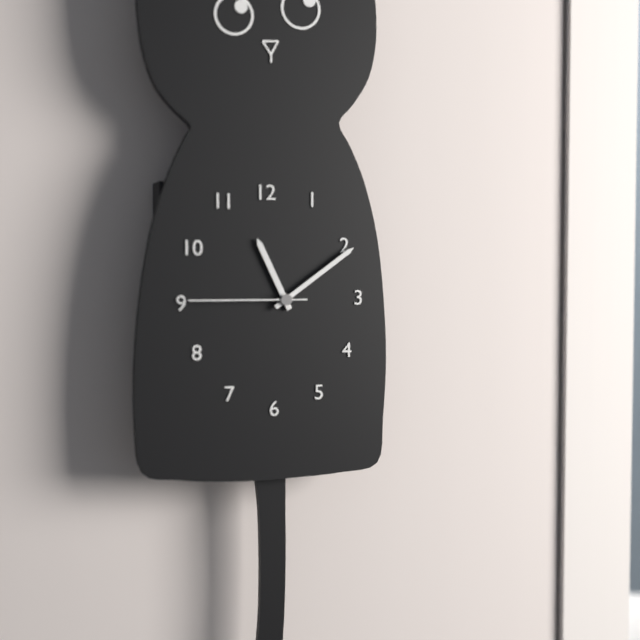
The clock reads **11:09:45**
